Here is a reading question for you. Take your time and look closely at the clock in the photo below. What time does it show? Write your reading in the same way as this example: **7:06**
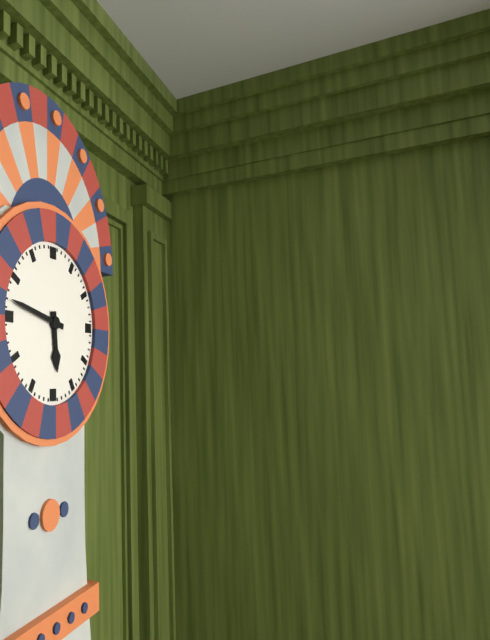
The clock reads **5:47**
